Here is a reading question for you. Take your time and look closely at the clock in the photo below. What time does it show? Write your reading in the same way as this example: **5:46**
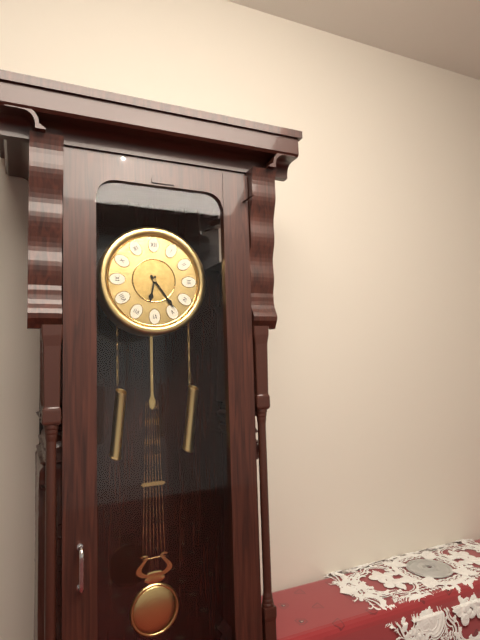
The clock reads **6:24**
